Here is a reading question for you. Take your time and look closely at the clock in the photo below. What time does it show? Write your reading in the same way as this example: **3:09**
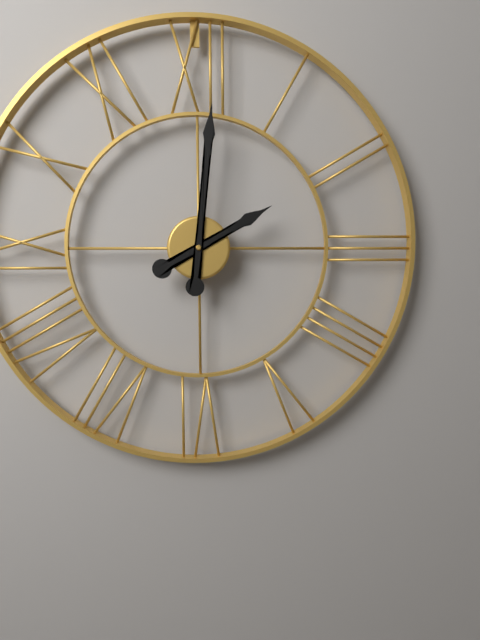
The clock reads **2:01**
